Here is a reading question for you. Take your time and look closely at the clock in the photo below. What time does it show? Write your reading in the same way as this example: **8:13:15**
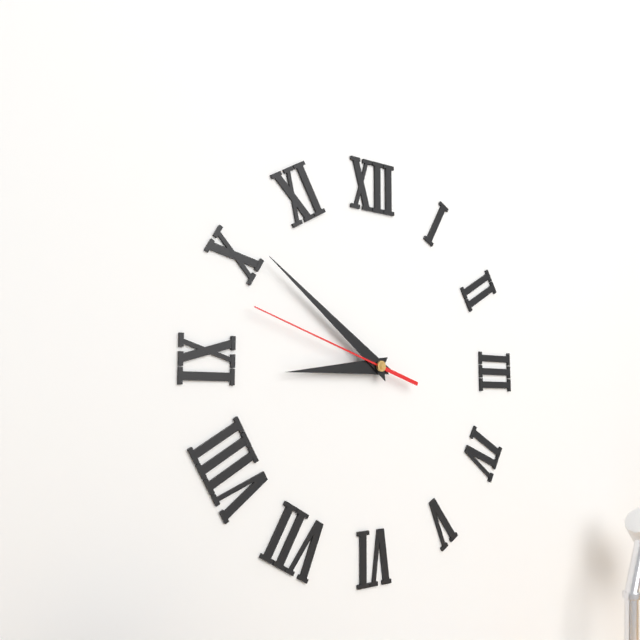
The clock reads **8:51:48**
